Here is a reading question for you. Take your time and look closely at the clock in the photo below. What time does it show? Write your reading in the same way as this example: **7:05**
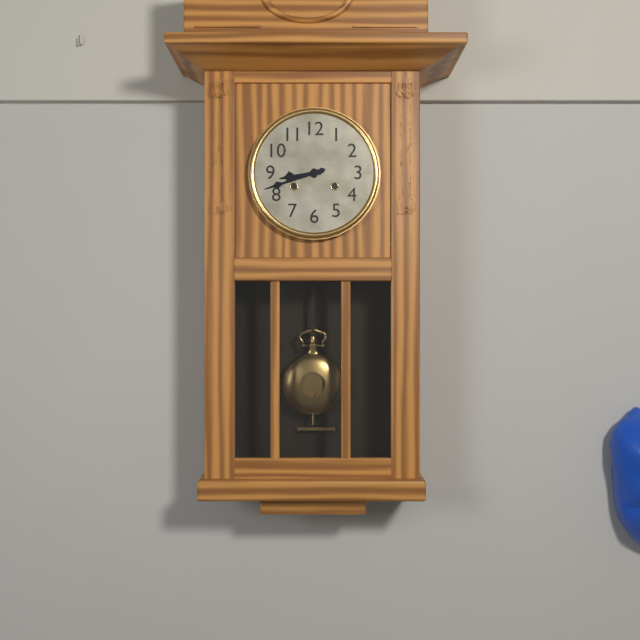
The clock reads **8:42**
